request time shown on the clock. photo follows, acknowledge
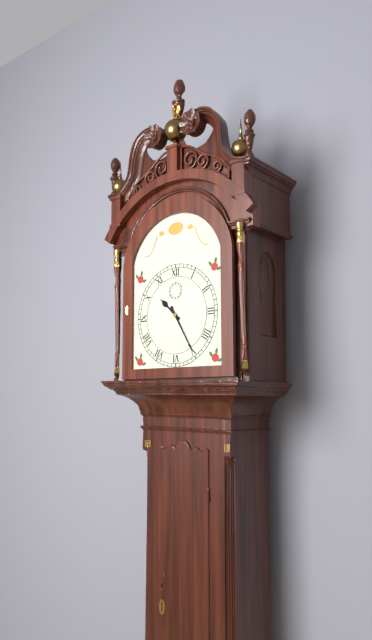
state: 10:25
